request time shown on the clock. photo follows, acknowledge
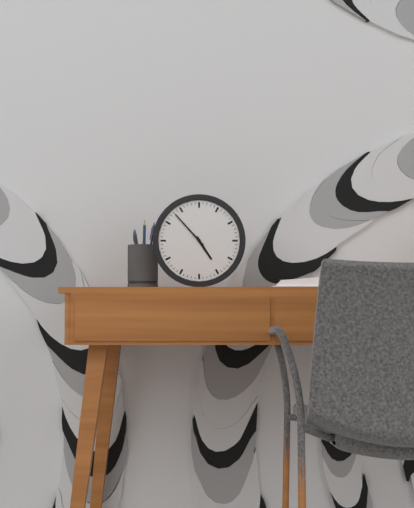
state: 4:53
